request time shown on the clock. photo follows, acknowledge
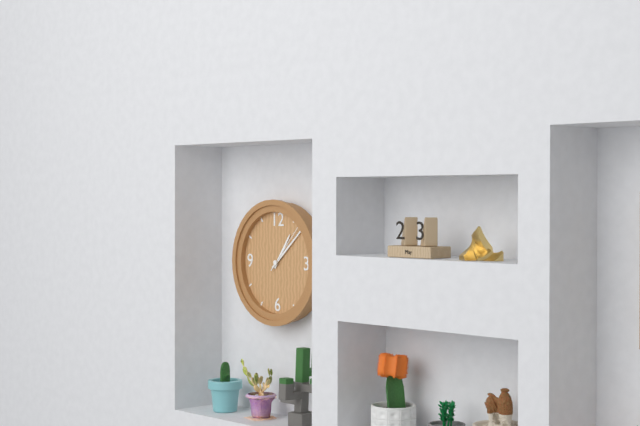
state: 1:08:07
